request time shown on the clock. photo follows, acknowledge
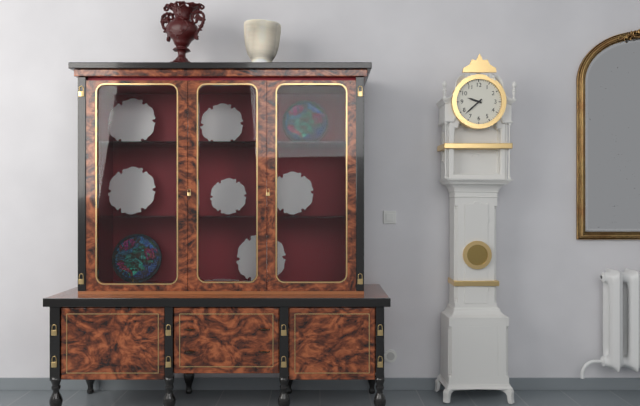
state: 9:38
